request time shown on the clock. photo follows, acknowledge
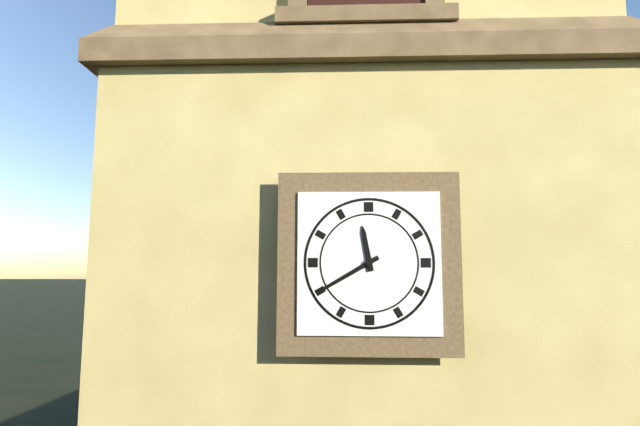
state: 11:40
